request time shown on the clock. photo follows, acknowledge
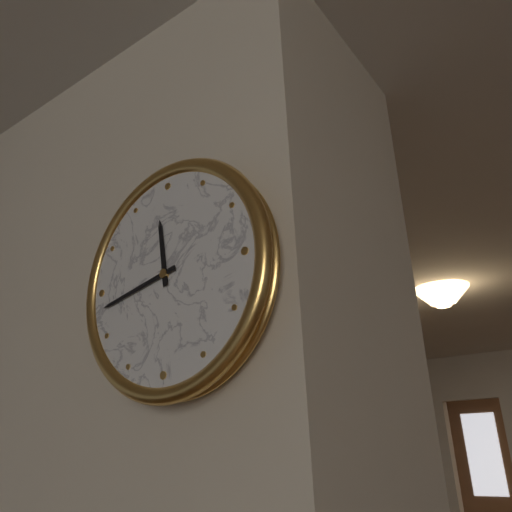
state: 11:43
